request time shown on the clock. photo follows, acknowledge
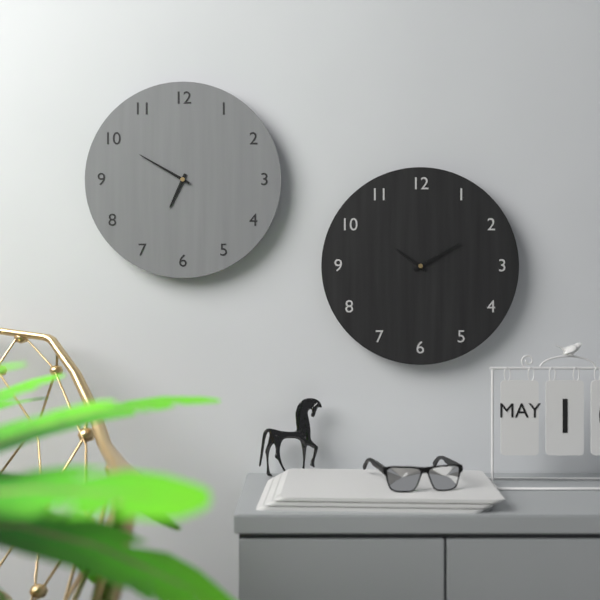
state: 6:50
